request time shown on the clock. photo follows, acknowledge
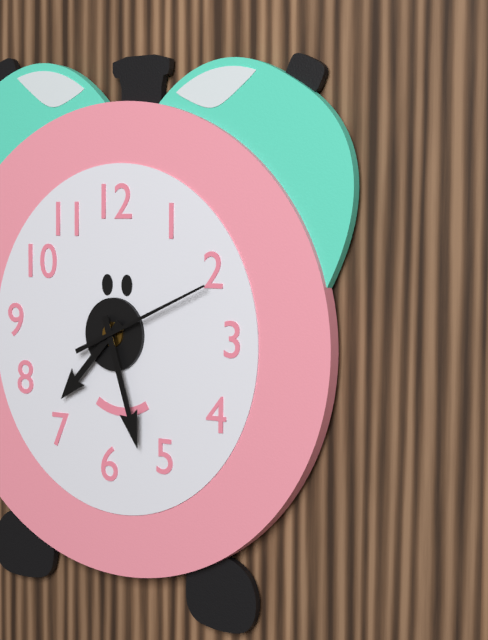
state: 7:27:11
